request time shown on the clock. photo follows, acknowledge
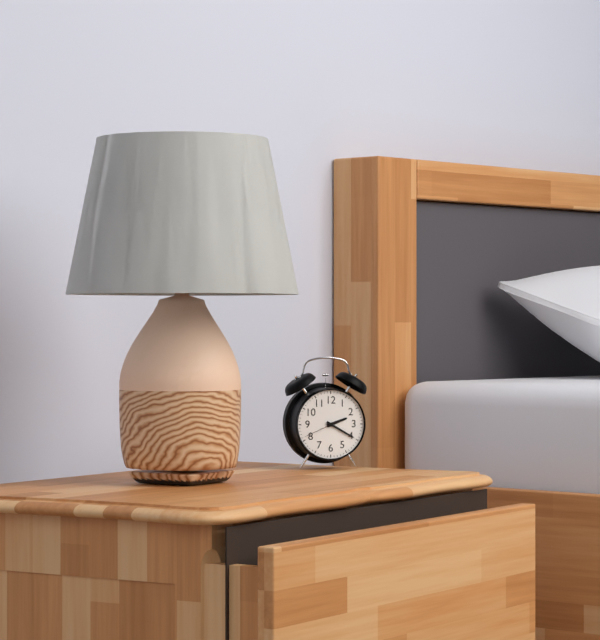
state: 2:20
